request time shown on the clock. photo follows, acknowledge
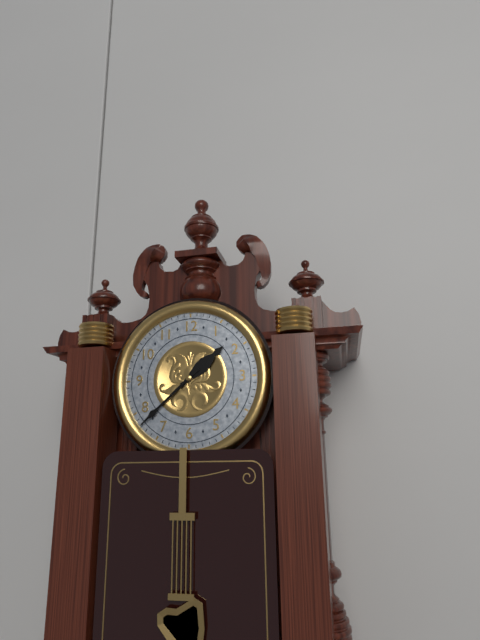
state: 1:38
